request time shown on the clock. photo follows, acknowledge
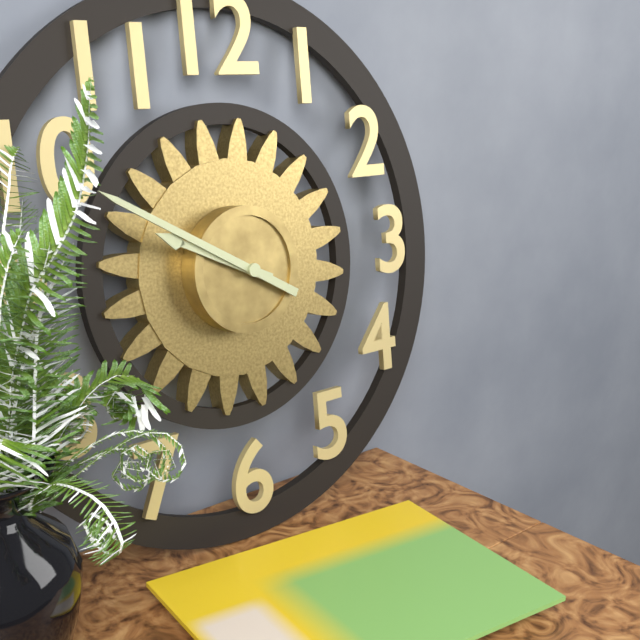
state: 9:50
